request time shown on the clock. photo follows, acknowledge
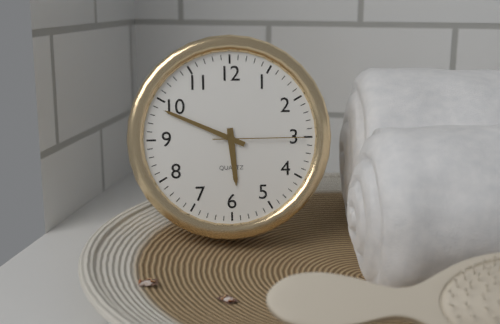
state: 5:49:15
